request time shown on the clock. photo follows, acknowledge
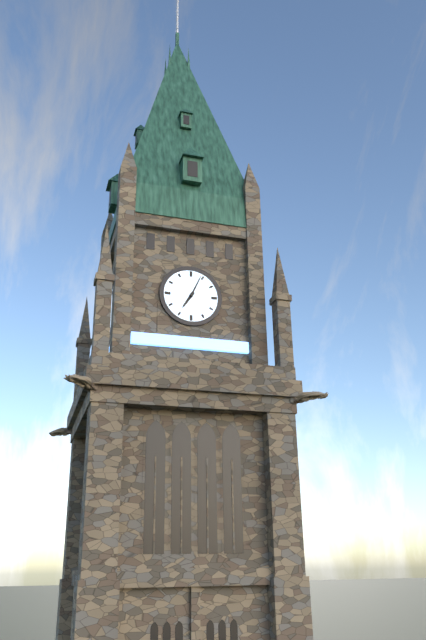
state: 7:04
